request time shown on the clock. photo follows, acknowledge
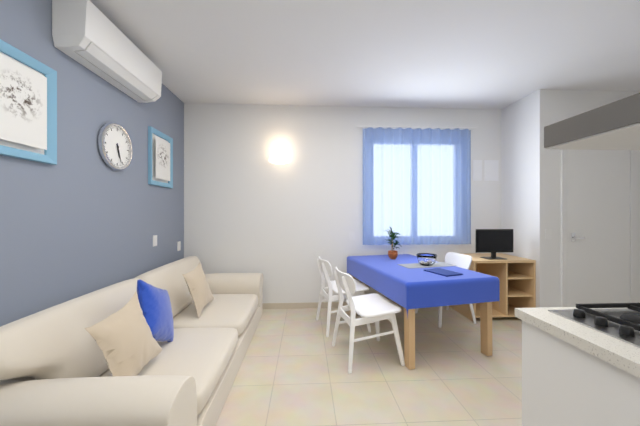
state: 5:27
